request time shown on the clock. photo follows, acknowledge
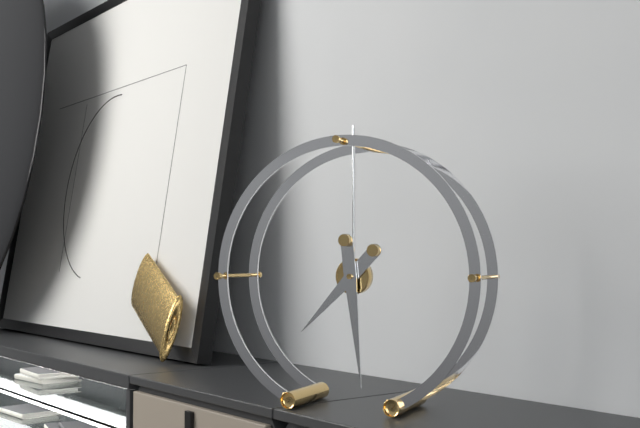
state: 7:29
